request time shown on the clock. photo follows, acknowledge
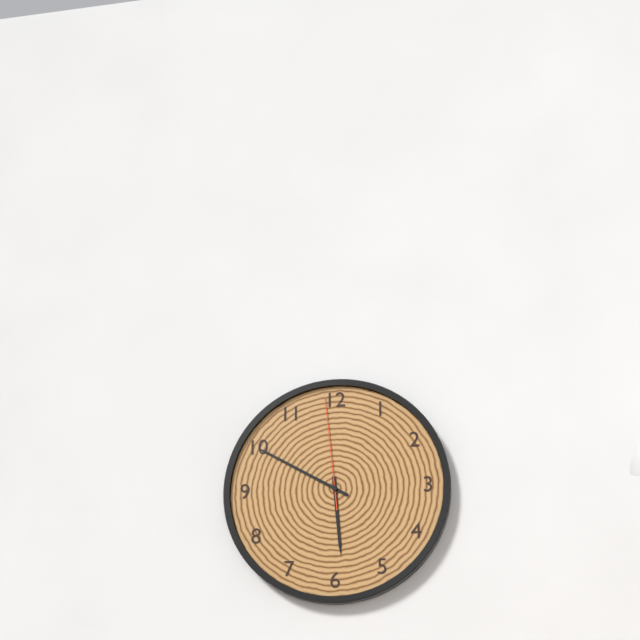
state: 5:50:59
